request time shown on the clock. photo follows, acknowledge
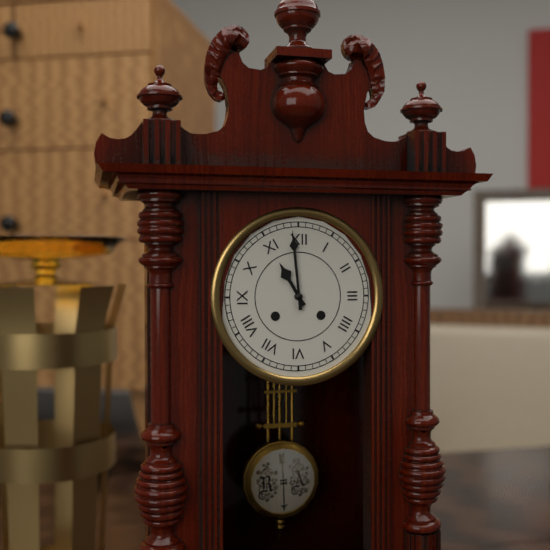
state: 10:59
